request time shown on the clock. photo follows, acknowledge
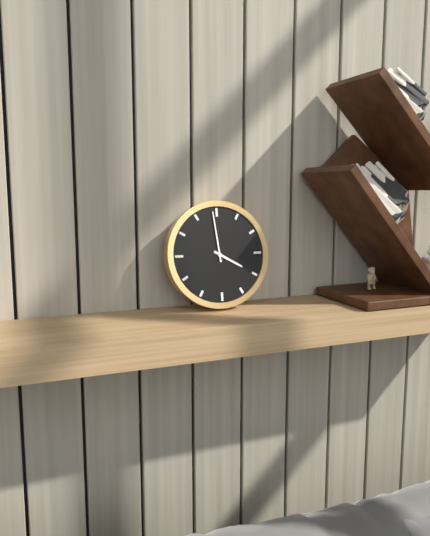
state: 3:59
